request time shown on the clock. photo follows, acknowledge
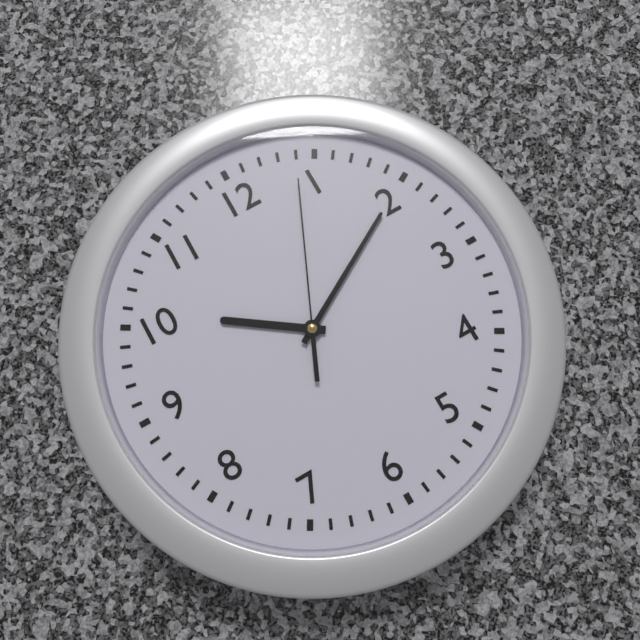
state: 10:10:04
